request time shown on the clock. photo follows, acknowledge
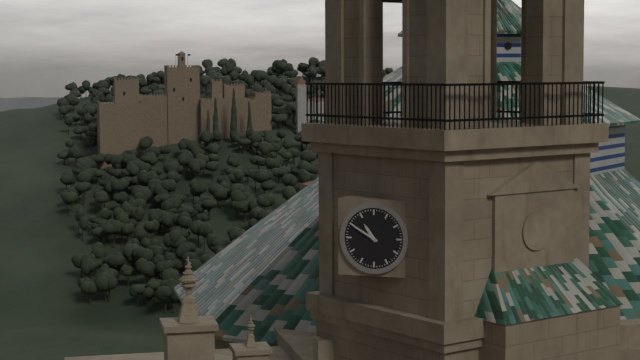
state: 10:50
